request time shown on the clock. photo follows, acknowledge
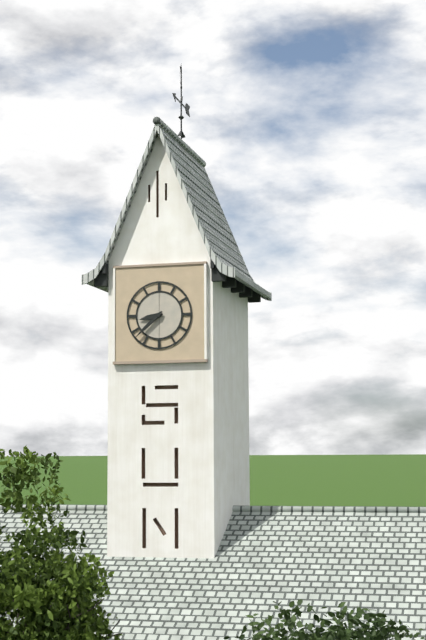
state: 8:38
